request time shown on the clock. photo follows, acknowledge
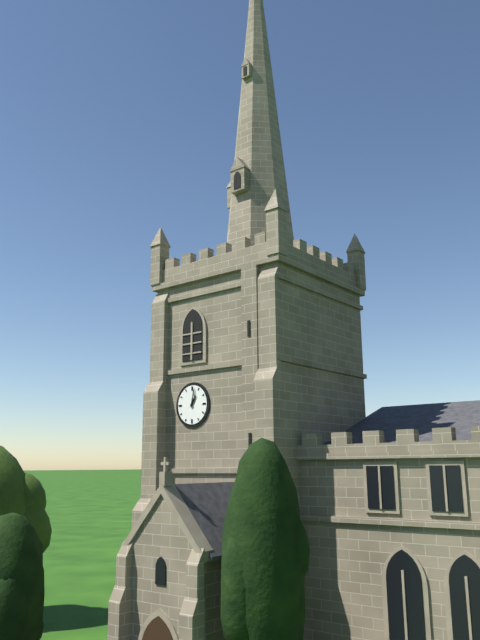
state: 1:02
